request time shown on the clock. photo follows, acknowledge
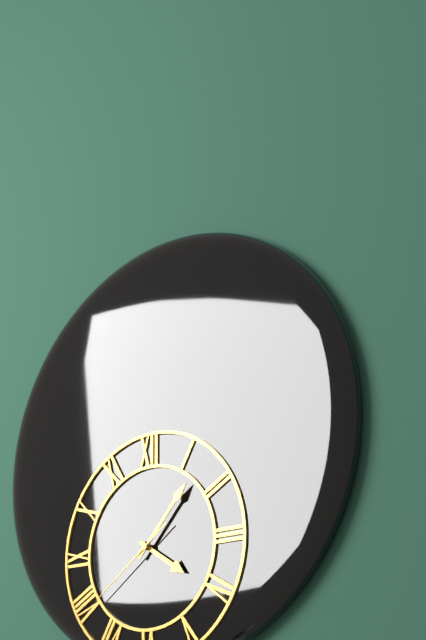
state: 4:07:39
